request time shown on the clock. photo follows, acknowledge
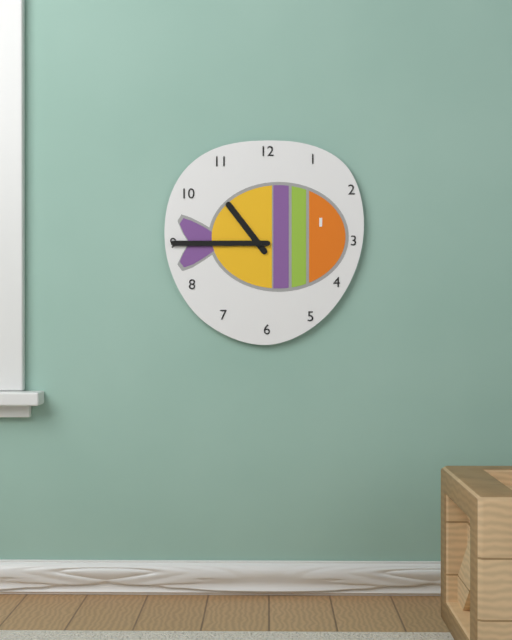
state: 10:45
